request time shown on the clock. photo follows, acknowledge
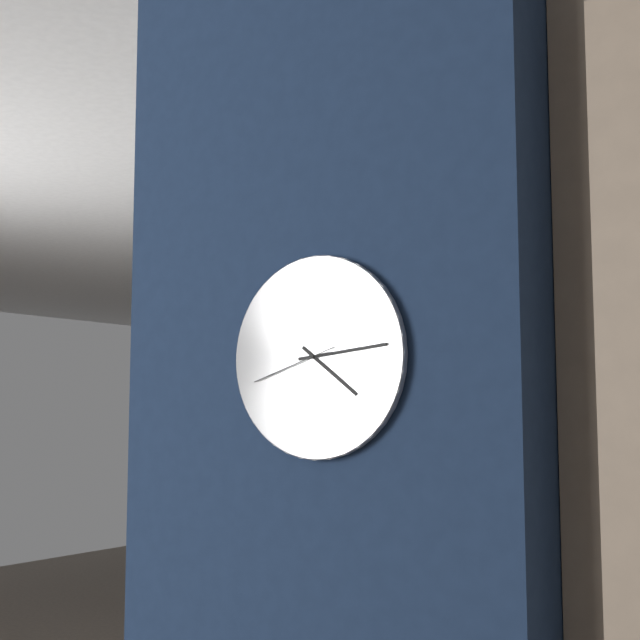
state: 4:14:42
